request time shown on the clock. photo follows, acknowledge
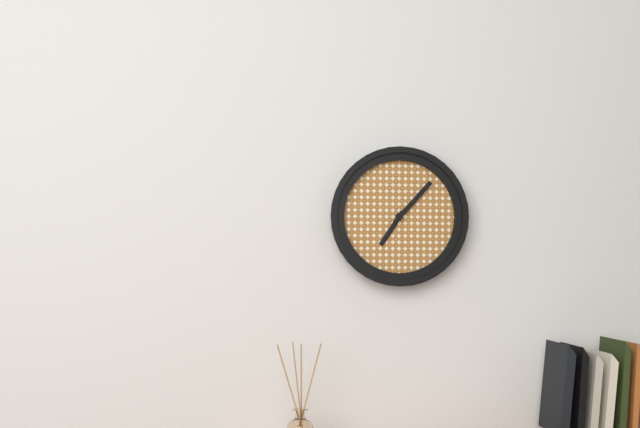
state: 7:07
